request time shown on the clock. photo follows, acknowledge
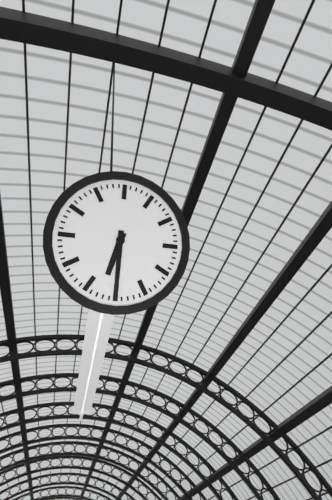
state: 6:30
